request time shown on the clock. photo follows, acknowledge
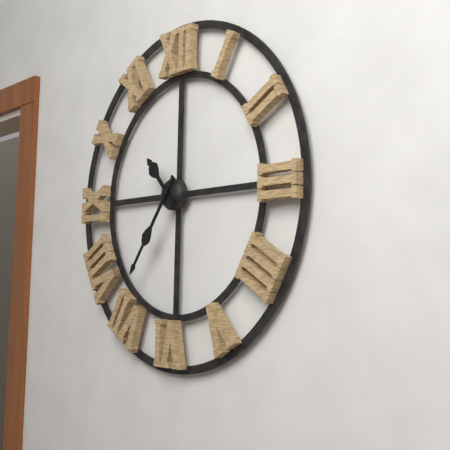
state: 10:36
